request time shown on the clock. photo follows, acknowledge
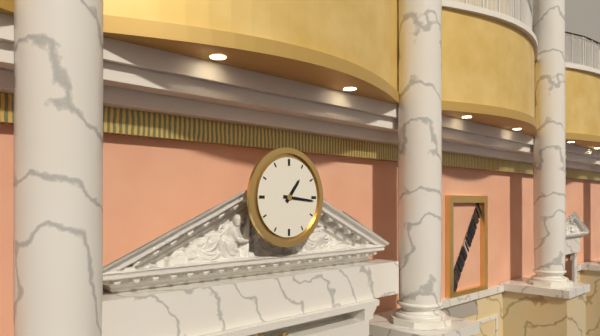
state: 1:16
